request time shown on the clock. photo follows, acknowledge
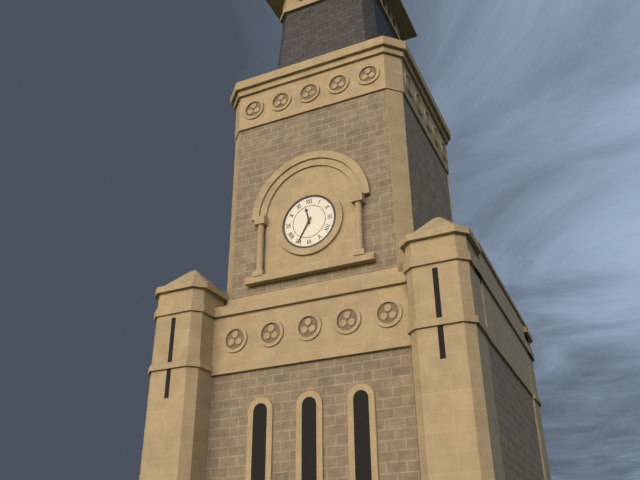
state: 11:35
